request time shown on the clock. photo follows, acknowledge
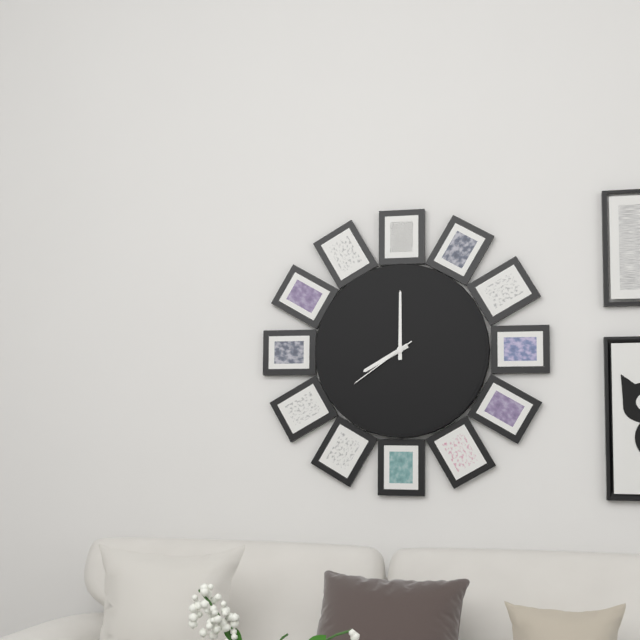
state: 8:00:39
